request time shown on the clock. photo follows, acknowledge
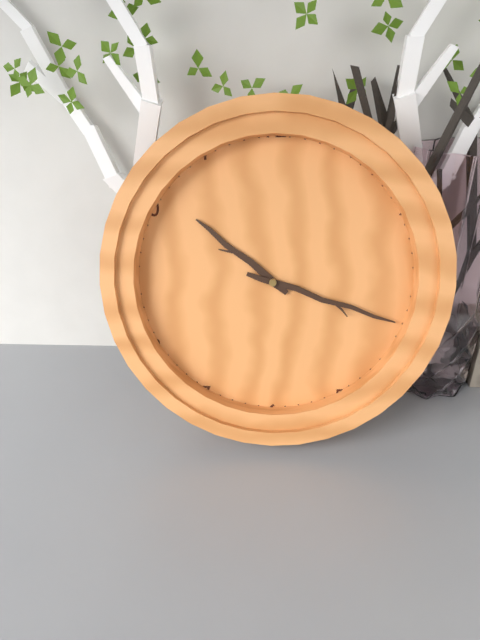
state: 10:18
